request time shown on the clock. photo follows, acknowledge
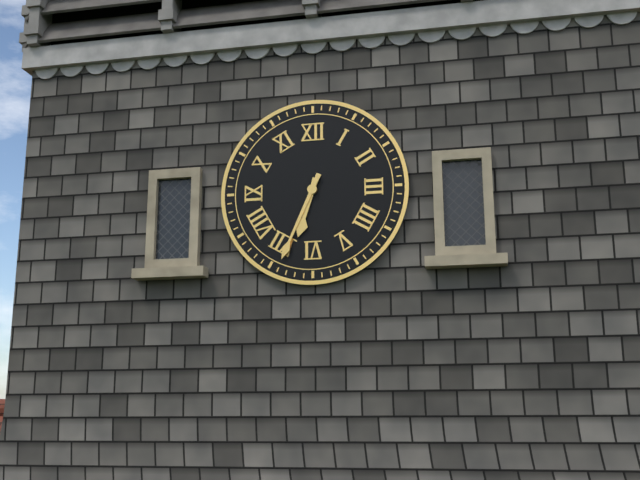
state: 6:34
